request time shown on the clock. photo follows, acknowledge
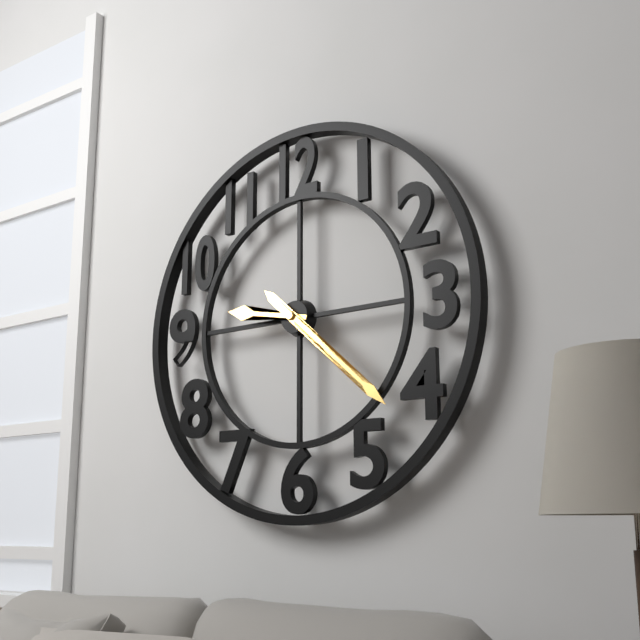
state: 9:22
